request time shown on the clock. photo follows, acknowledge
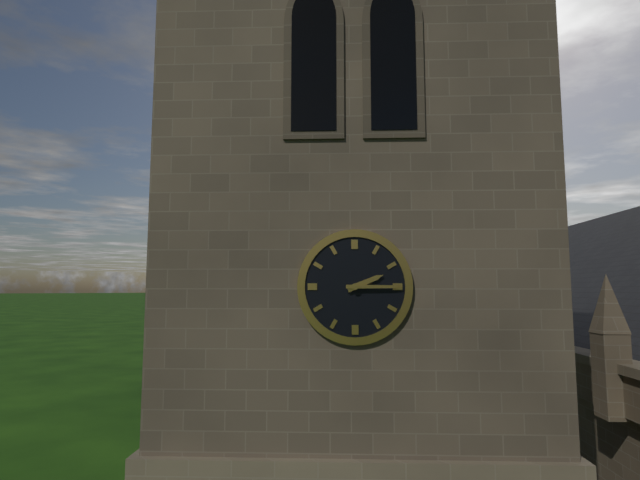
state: 2:15
